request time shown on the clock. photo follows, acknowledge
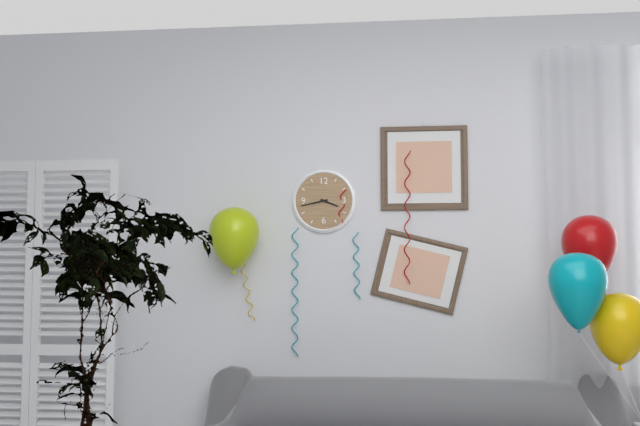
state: 3:43
